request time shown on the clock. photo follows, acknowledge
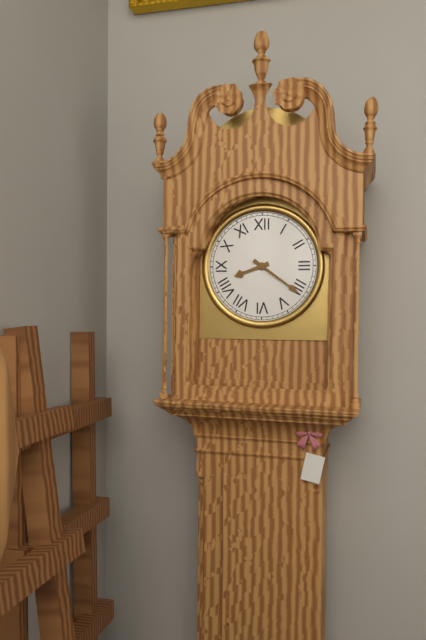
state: 8:21
